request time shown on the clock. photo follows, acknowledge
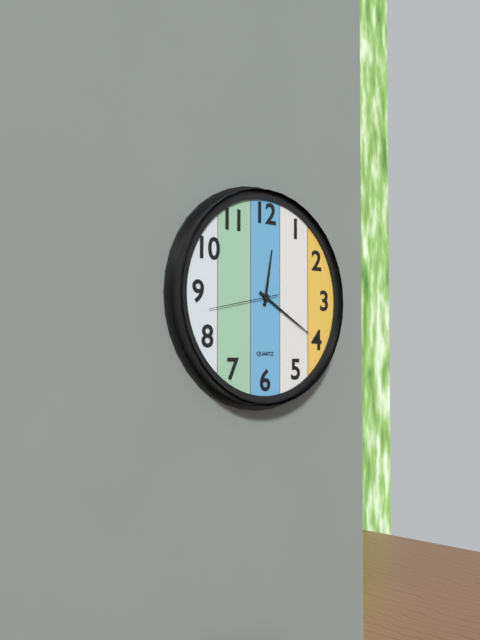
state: 12:20:43
